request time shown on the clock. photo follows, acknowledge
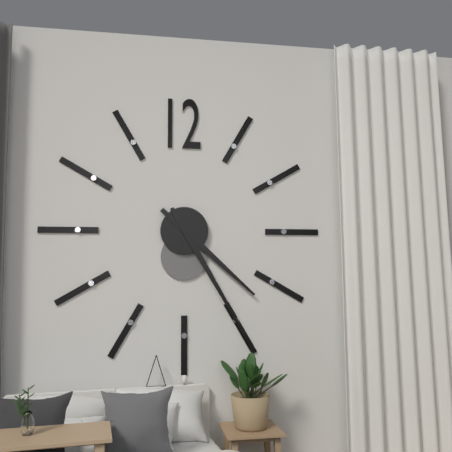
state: 4:25
